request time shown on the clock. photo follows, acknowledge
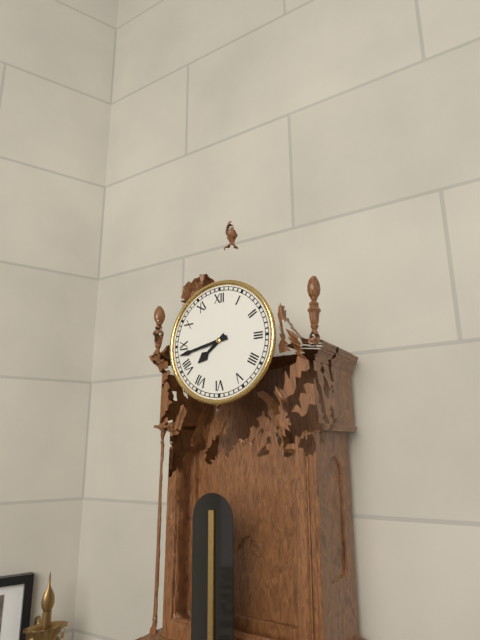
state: 7:43
